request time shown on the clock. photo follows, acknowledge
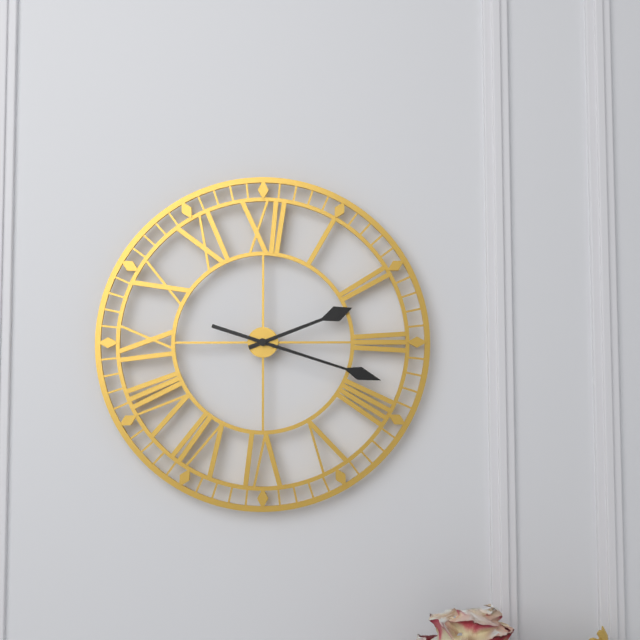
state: 2:18
